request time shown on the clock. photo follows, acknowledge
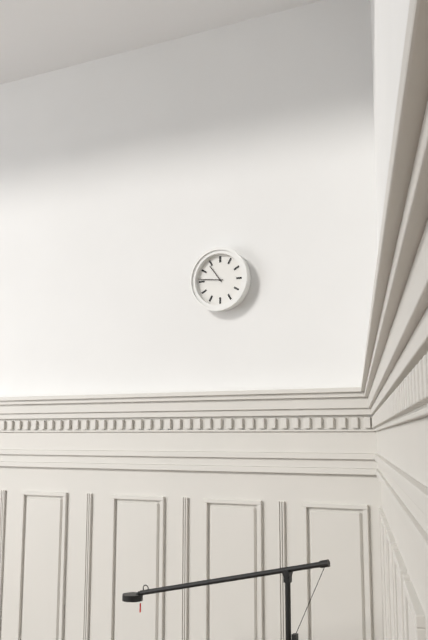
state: 10:46
